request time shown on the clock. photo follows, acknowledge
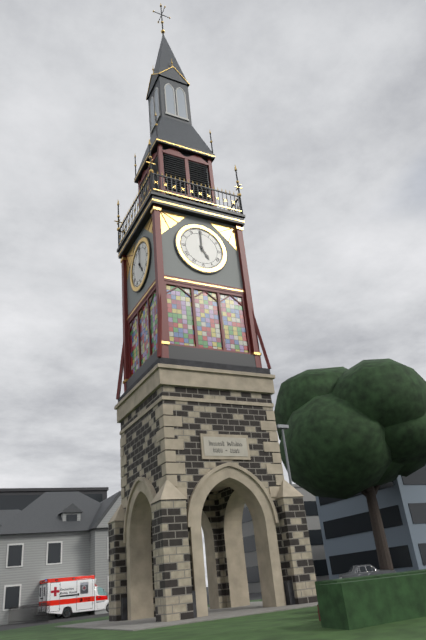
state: 5:00
